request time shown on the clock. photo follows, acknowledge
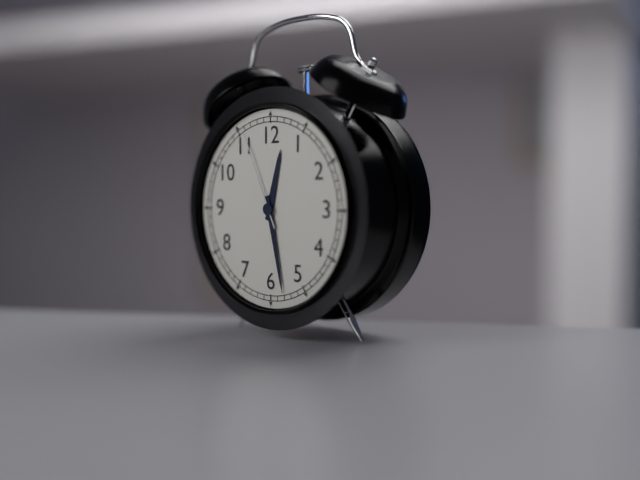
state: 12:28:56
